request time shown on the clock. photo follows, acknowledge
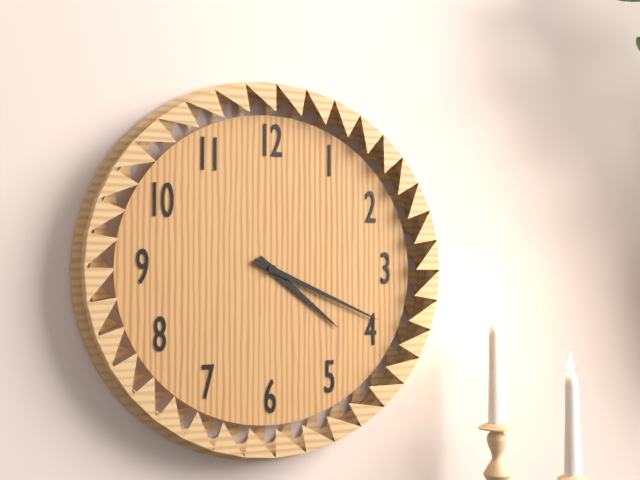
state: 4:19
